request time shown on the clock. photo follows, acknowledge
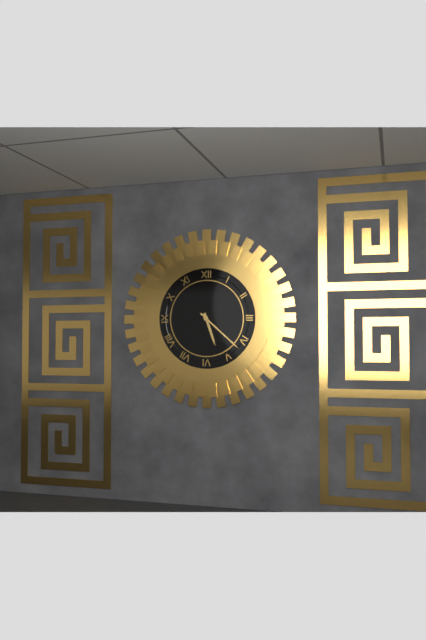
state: 5:22
